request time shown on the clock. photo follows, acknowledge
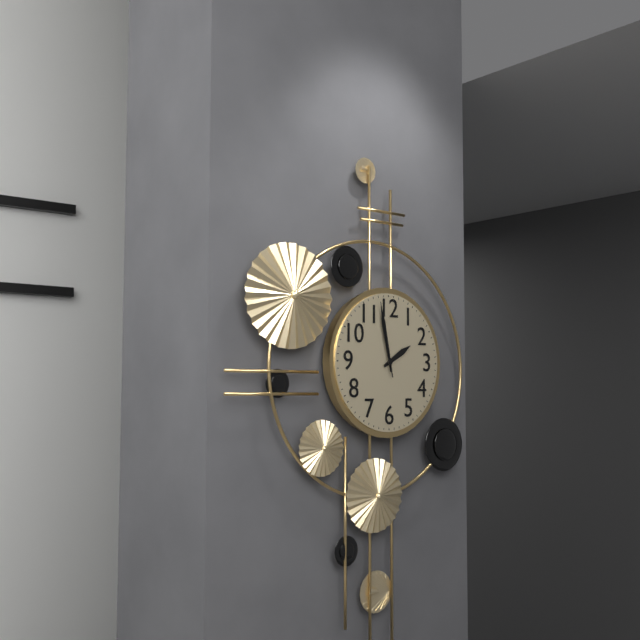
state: 1:58:58
